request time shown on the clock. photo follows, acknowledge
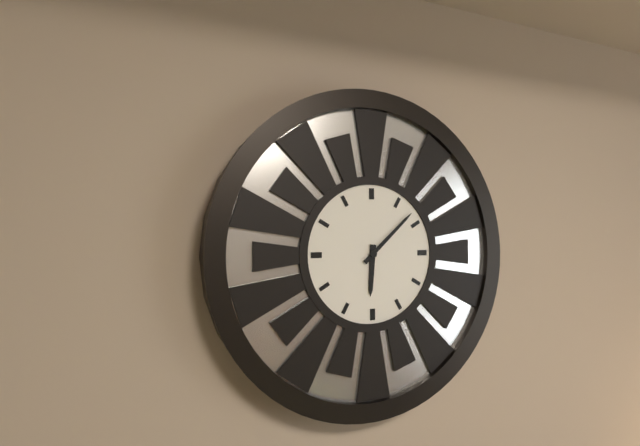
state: 6:08
